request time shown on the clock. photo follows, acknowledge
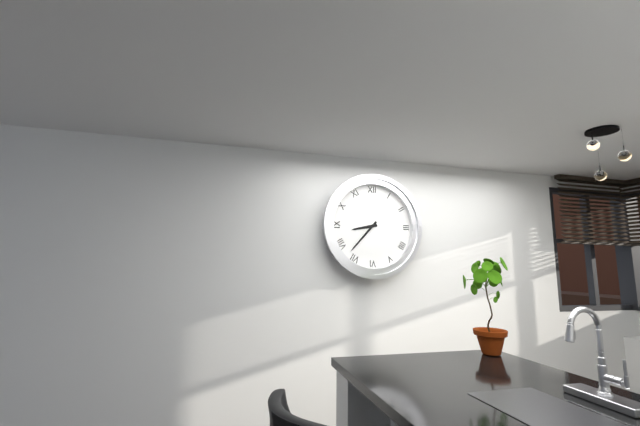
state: 8:37
